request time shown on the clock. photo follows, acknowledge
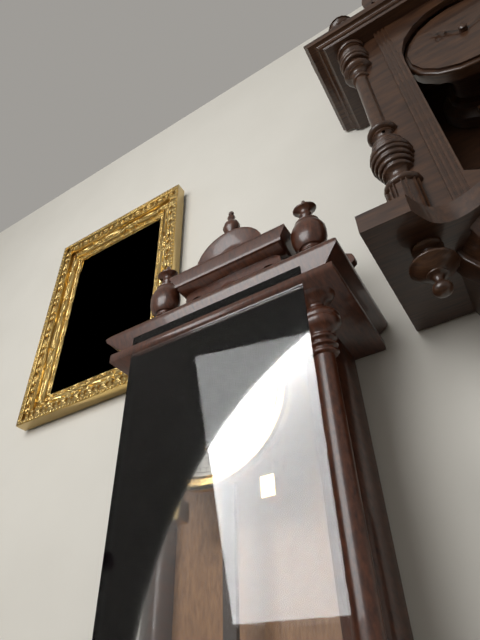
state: 8:12
